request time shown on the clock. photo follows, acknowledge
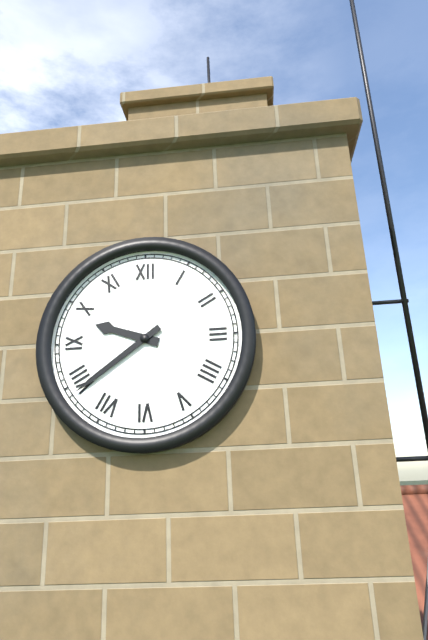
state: 9:39
